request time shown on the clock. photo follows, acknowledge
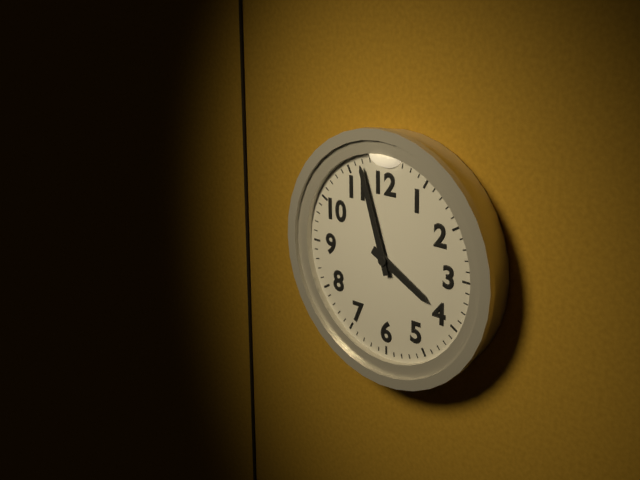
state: 3:57
